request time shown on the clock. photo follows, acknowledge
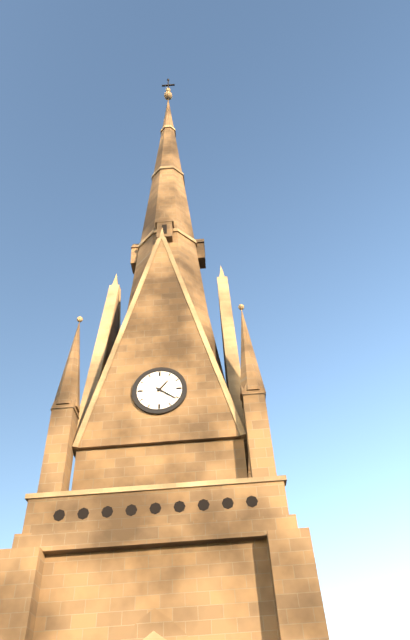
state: 1:21
